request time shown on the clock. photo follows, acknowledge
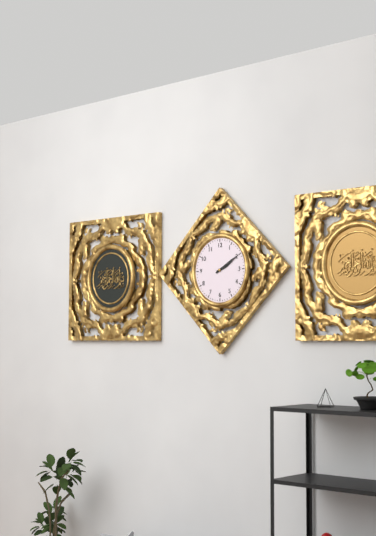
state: 2:10
